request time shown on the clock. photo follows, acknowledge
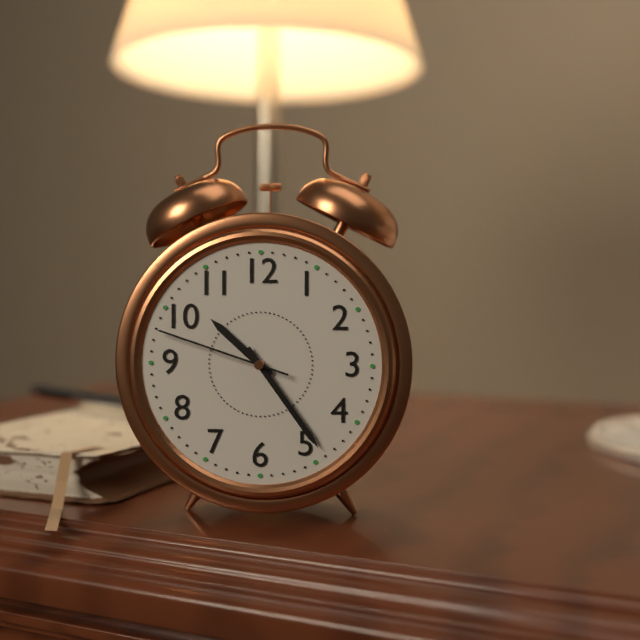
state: 10:24:48
